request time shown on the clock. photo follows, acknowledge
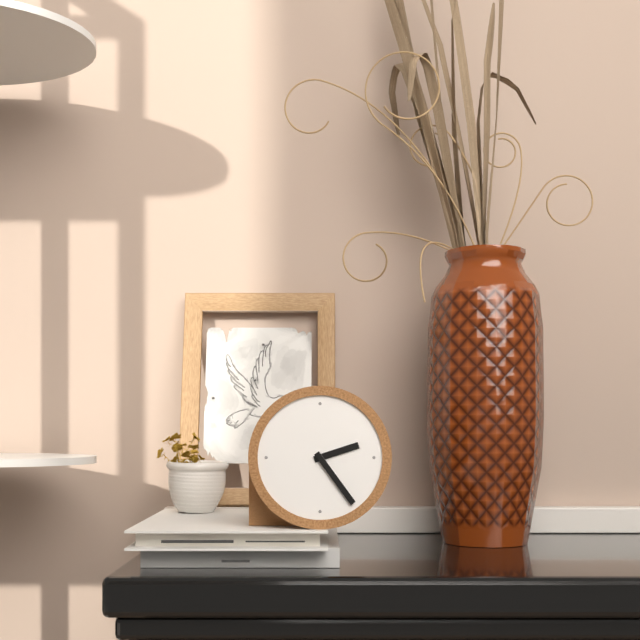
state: 2:24
